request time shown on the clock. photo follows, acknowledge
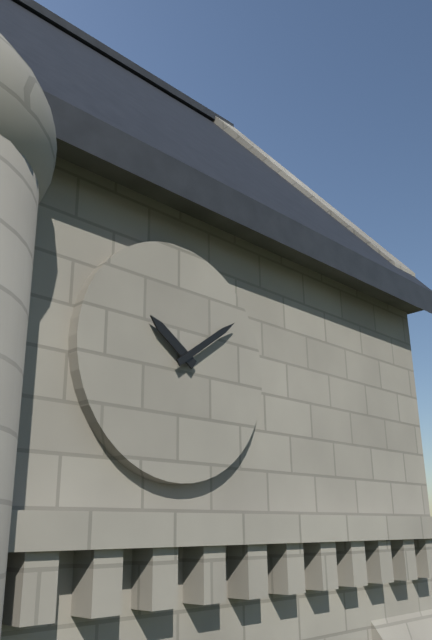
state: 10:09
